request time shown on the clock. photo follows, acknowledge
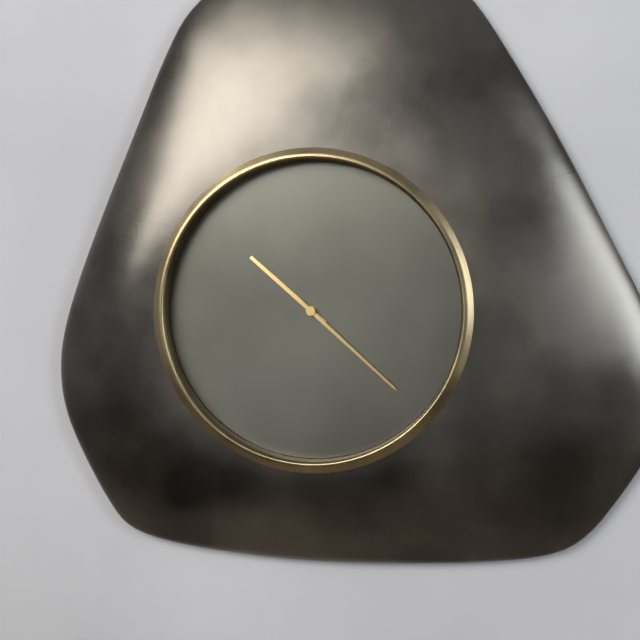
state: 10:22
